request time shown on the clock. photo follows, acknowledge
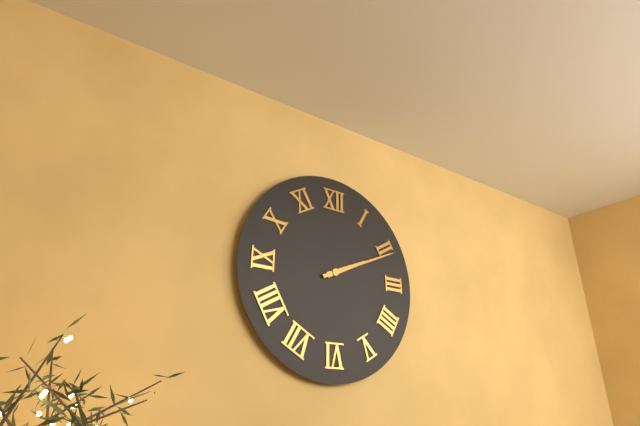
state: 2:11
